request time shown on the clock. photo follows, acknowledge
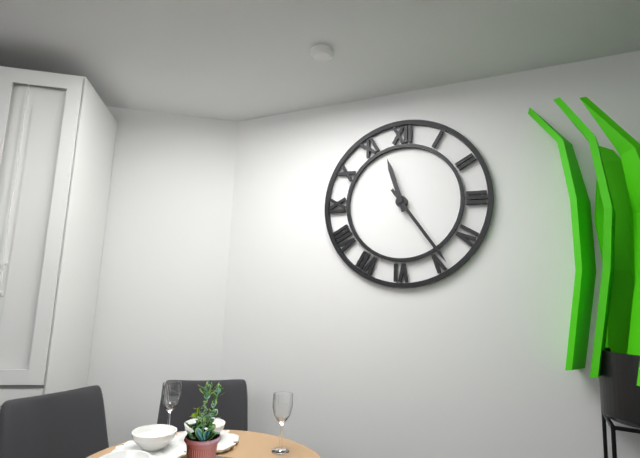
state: 11:24
